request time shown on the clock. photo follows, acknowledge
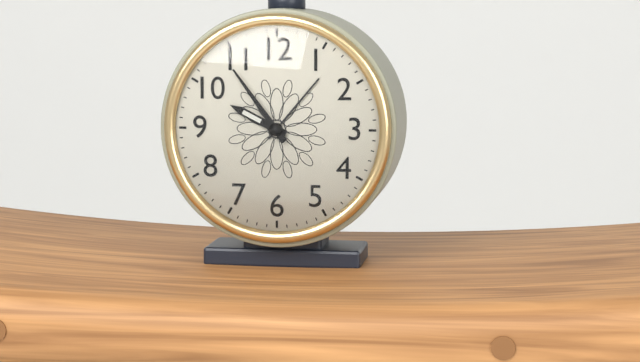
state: 9:54
